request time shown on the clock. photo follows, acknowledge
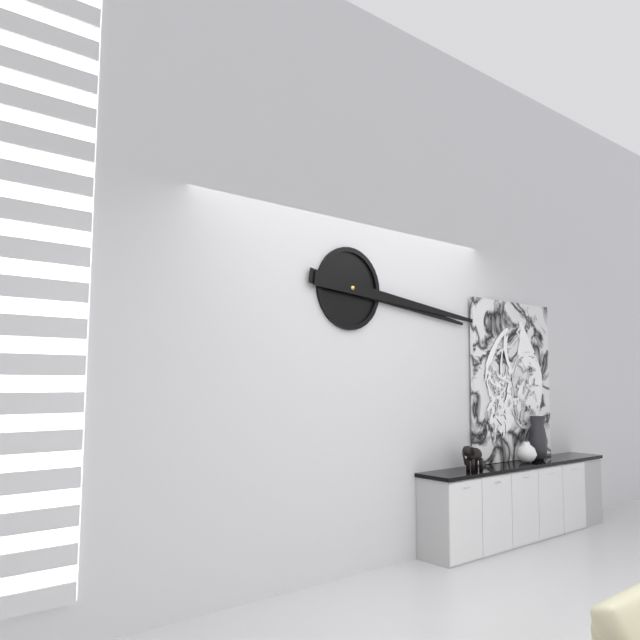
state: 3:16
